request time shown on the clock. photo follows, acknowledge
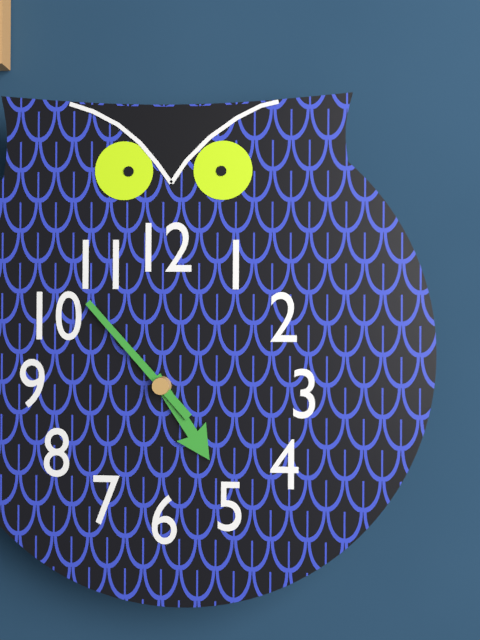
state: 4:53
